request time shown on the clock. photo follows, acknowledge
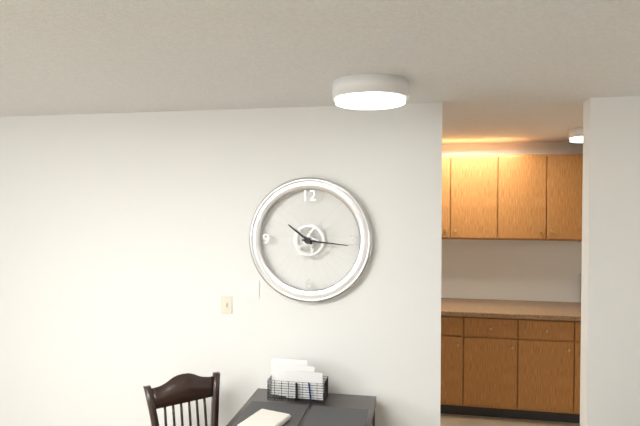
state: 10:16
